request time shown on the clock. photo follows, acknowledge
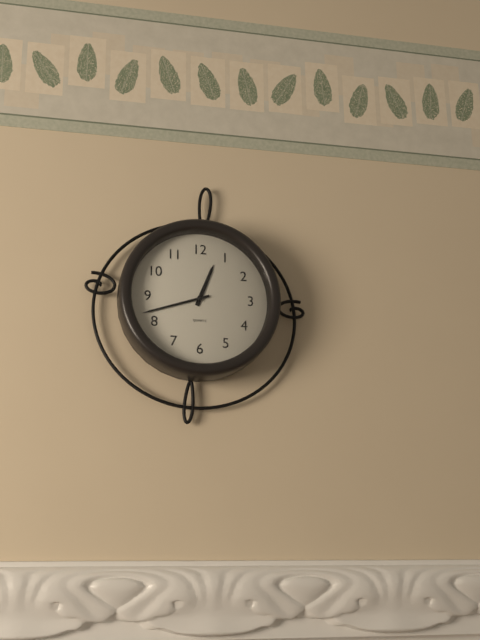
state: 12:42
